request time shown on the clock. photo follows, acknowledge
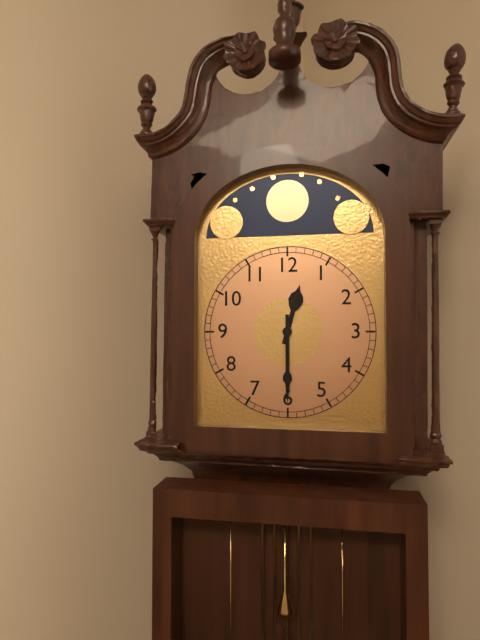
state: 12:30
